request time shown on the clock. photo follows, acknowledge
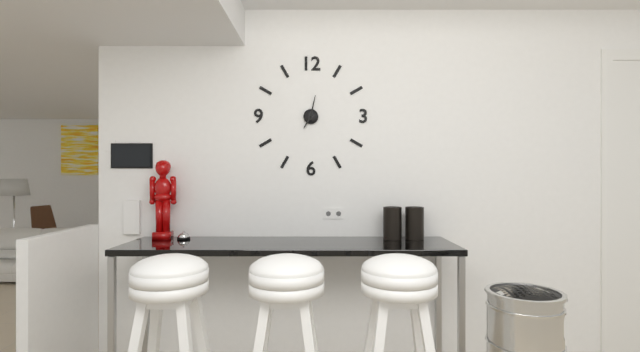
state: 7:02
